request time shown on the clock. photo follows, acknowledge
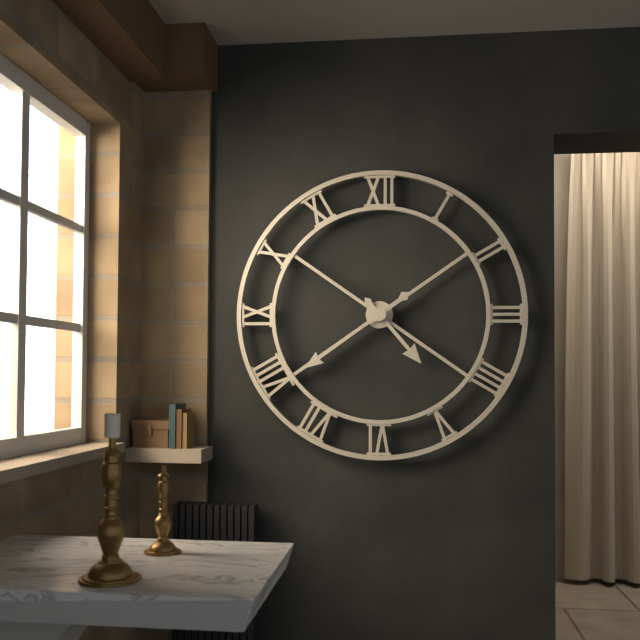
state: 4:39
